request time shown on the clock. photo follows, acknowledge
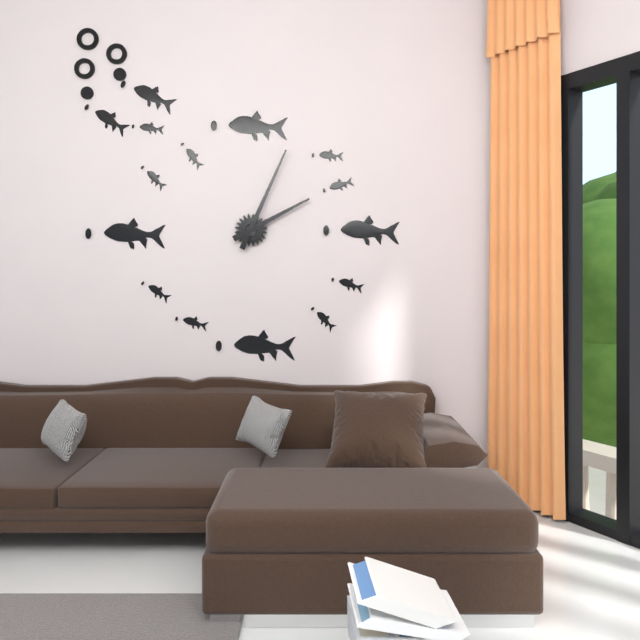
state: 2:04
